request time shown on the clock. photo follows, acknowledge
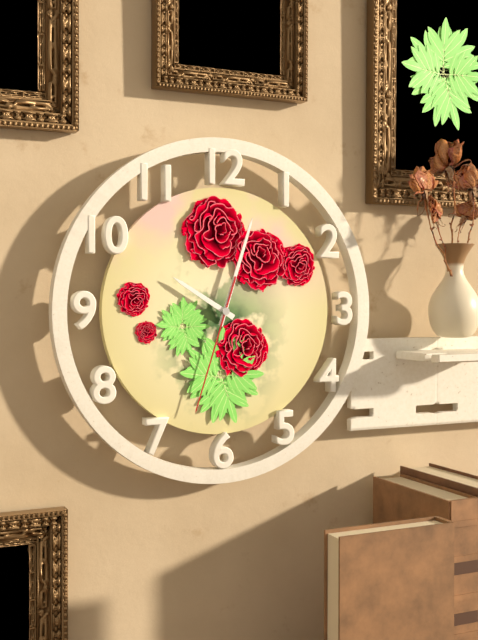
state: 10:03:33
